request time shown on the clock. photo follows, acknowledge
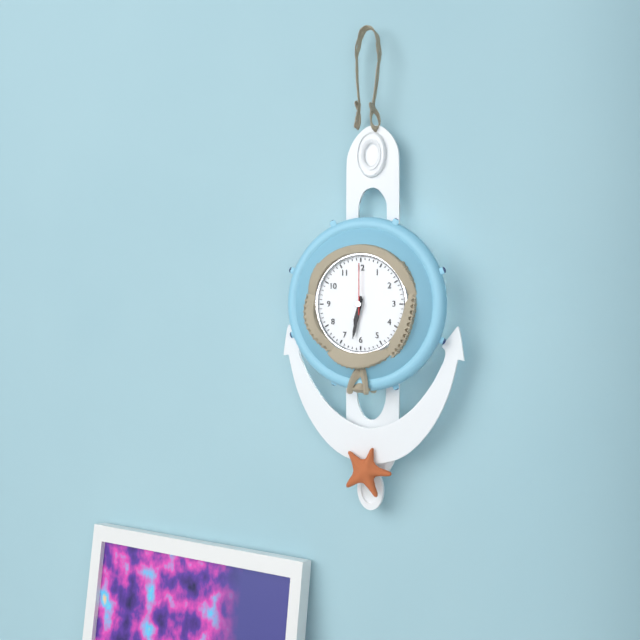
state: 6:32:00
